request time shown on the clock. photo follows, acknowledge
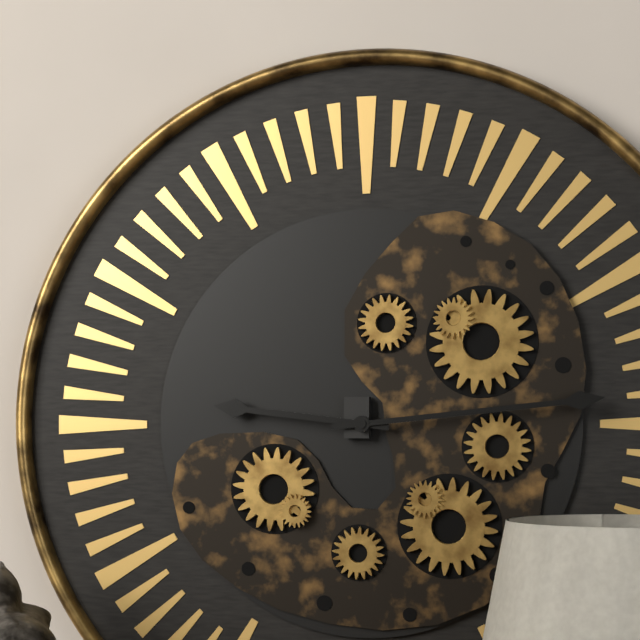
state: 9:14
